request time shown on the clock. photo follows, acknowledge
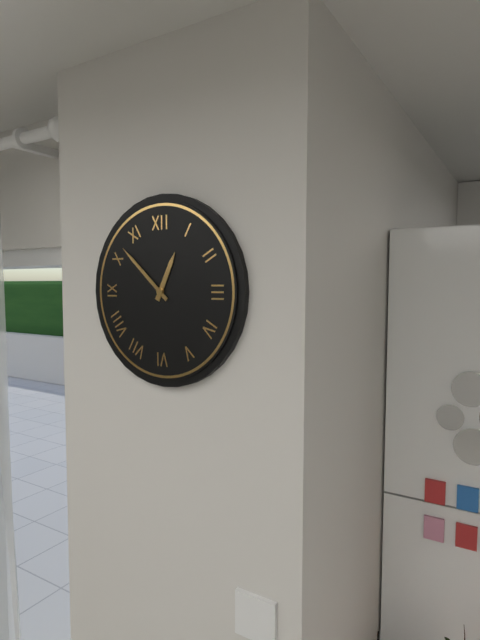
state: 12:52
